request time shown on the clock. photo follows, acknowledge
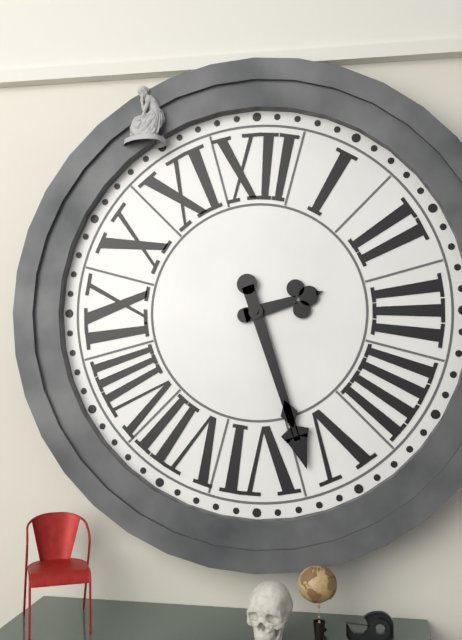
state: 2:27
